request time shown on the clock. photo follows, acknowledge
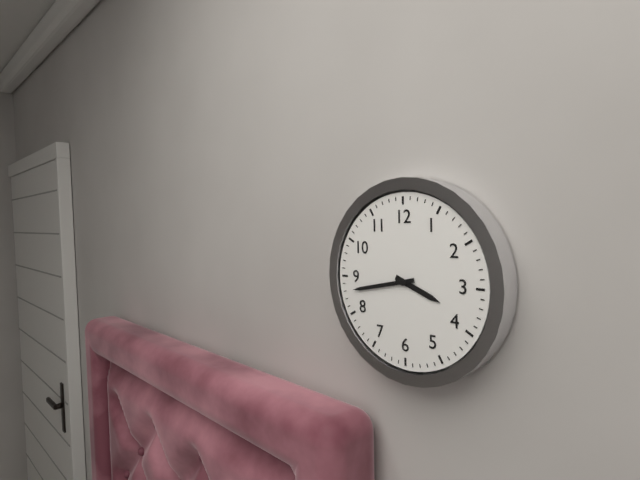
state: 3:43
